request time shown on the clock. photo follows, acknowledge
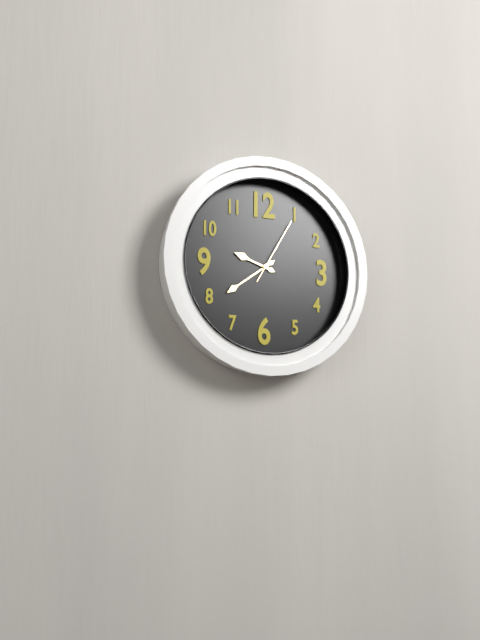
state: 9:39:05
